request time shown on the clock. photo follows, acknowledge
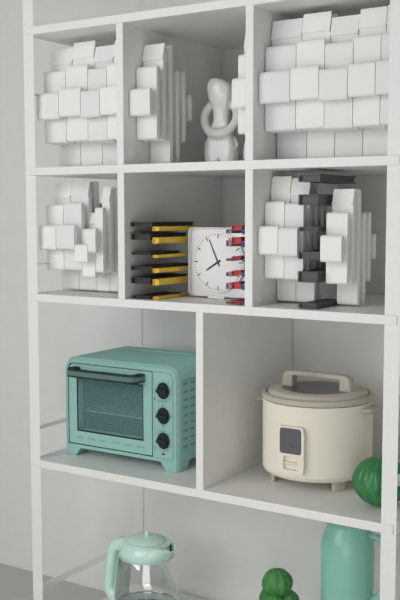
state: 7:56
